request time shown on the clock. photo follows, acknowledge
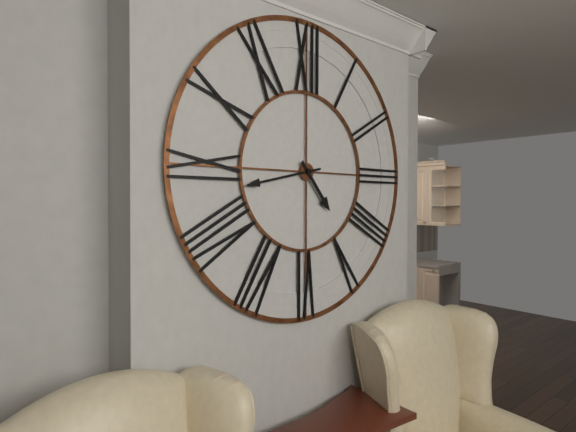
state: 4:43
